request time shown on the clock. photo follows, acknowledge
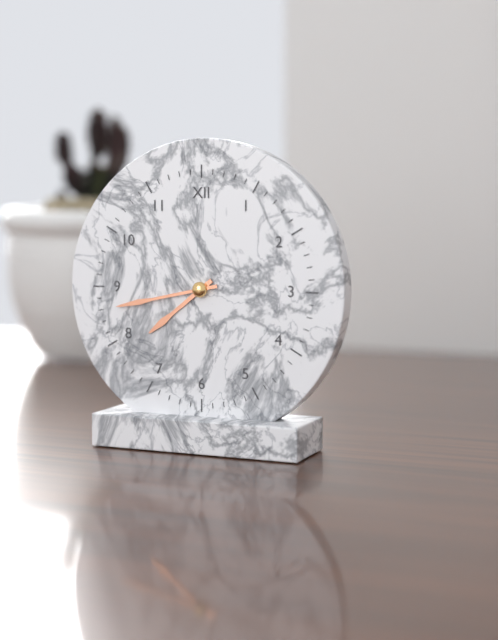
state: 7:43
